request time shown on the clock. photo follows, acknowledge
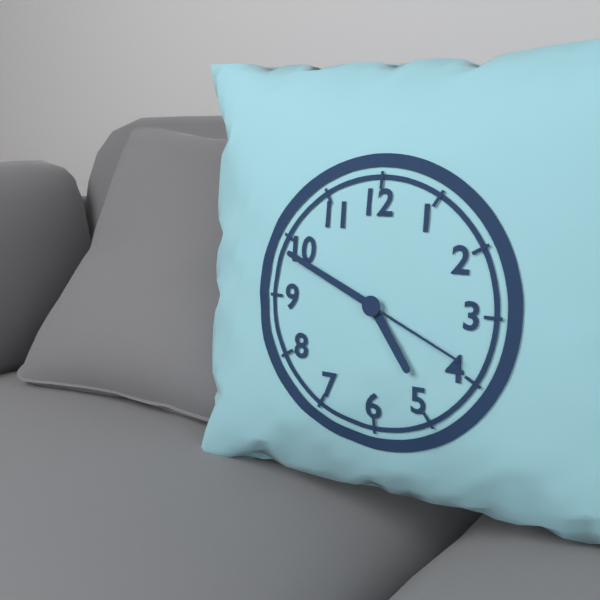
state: 4:49:19
